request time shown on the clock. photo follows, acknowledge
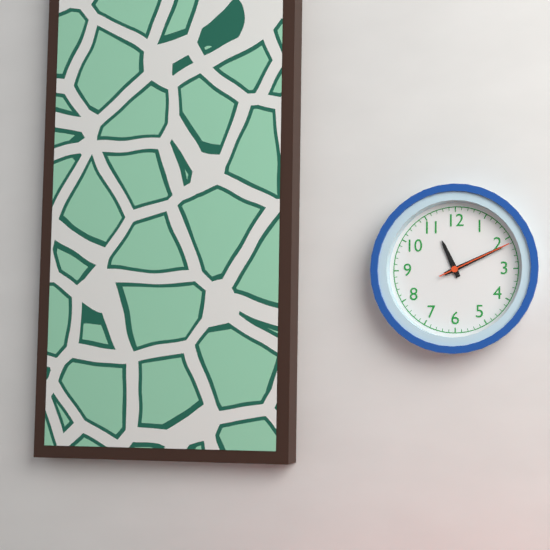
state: 11:11:11
